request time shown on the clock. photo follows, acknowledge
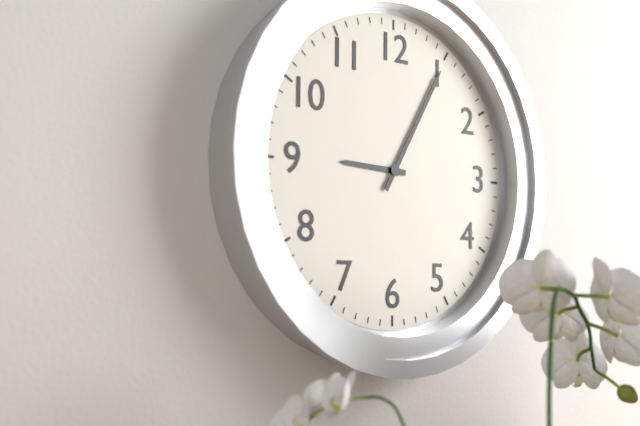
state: 9:05
